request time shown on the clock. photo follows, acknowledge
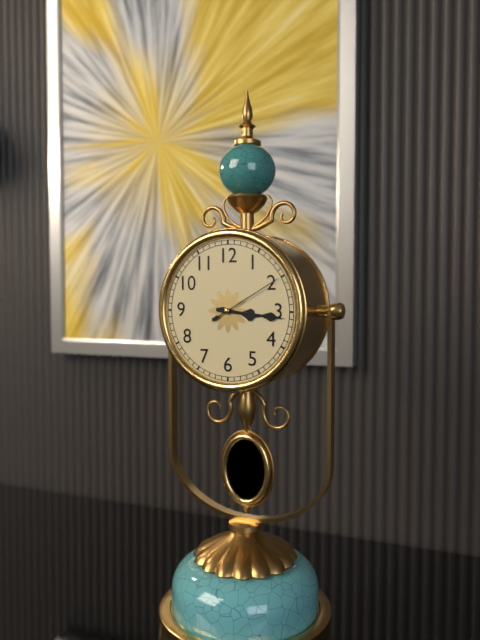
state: 3:16:10
